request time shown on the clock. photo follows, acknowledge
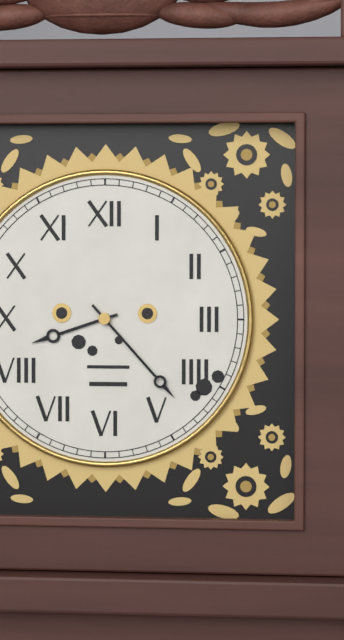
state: 8:23
